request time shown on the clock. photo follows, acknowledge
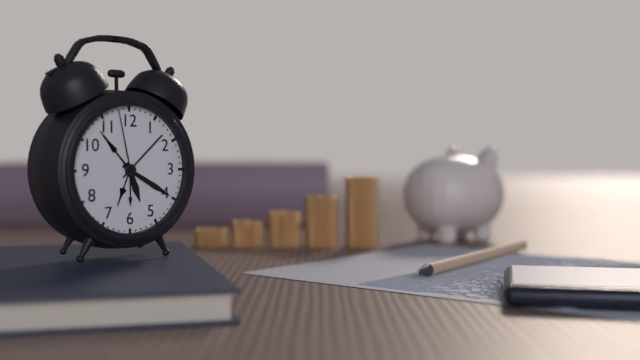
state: 5:20:58
